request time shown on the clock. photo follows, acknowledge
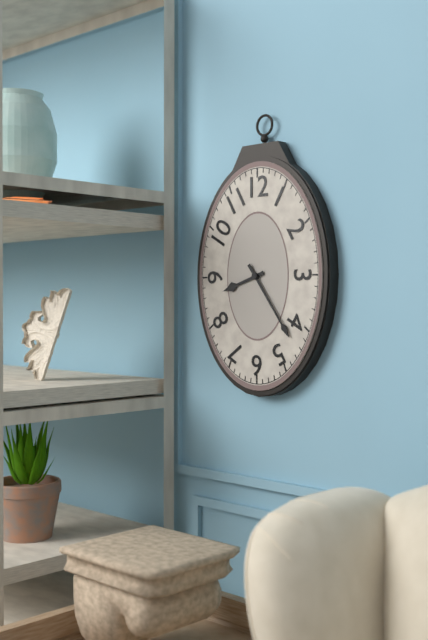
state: 8:24
